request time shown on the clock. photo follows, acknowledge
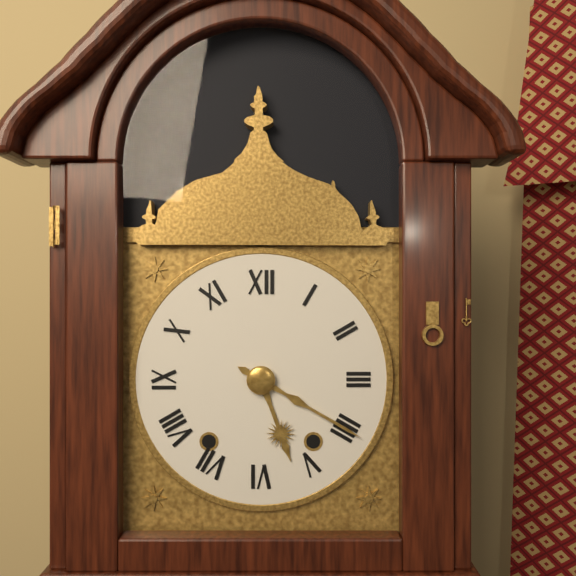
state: 5:20
